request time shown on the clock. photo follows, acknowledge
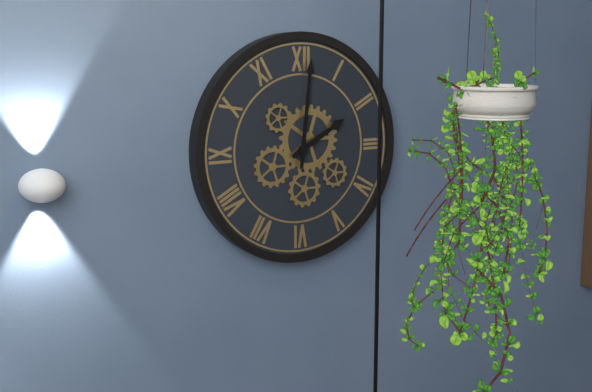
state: 2:01
